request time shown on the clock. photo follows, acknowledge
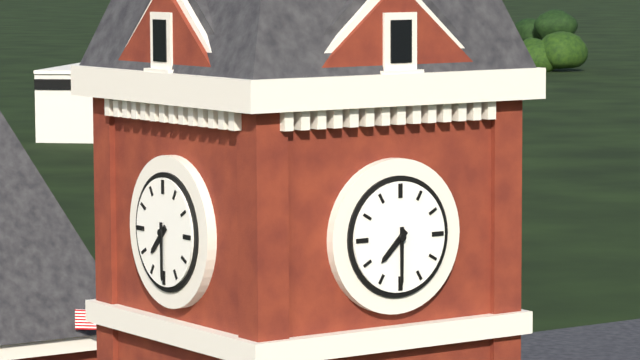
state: 7:30
